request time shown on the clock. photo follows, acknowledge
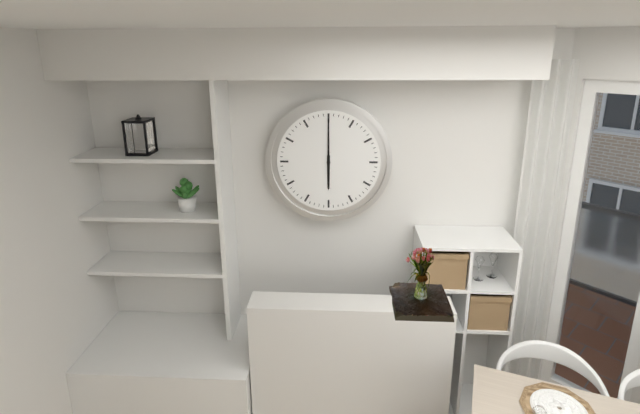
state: 6:00
